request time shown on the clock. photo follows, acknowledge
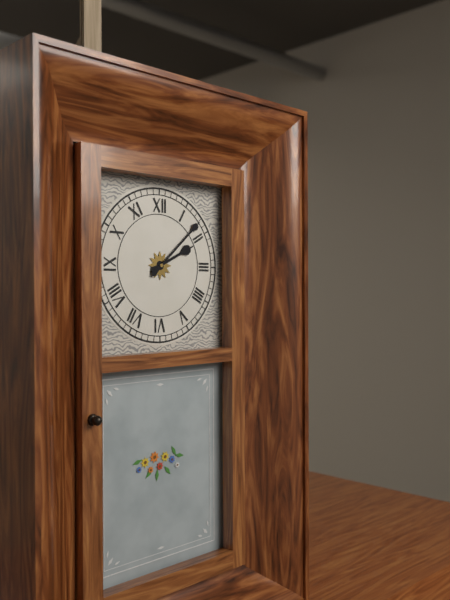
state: 2:08
